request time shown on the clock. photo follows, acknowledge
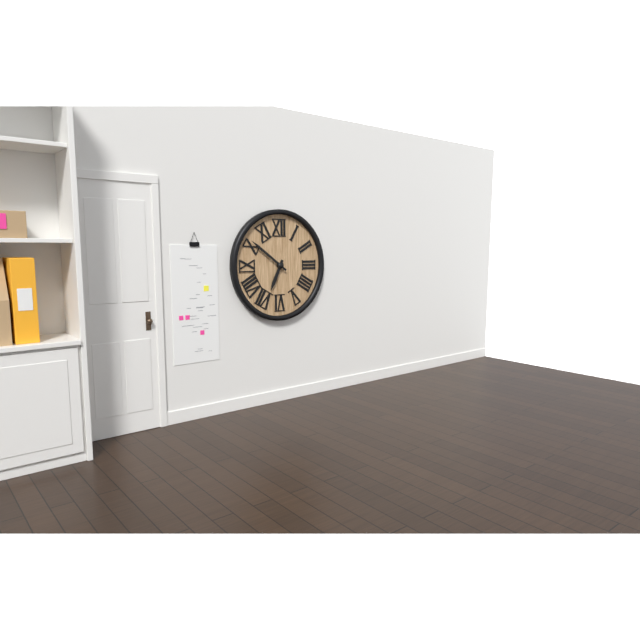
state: 6:51
